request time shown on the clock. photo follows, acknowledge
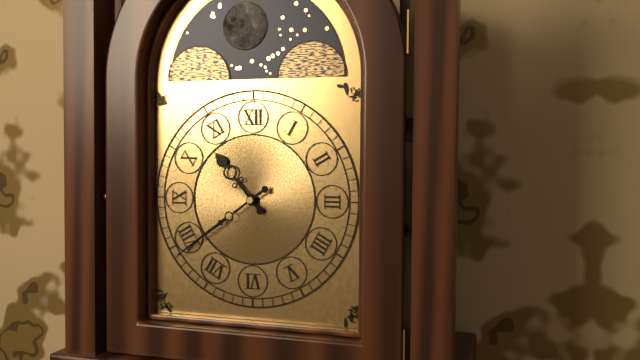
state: 10:39
